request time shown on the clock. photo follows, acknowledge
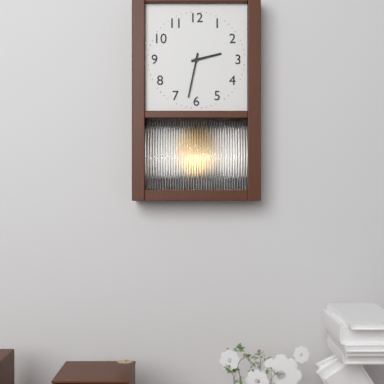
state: 2:32
